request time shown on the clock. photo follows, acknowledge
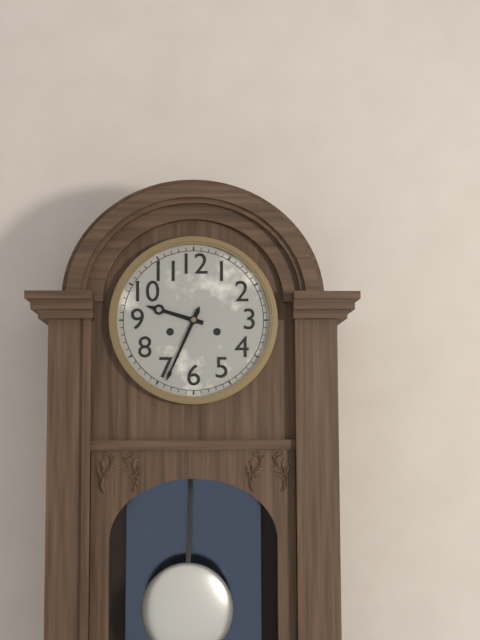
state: 9:34
